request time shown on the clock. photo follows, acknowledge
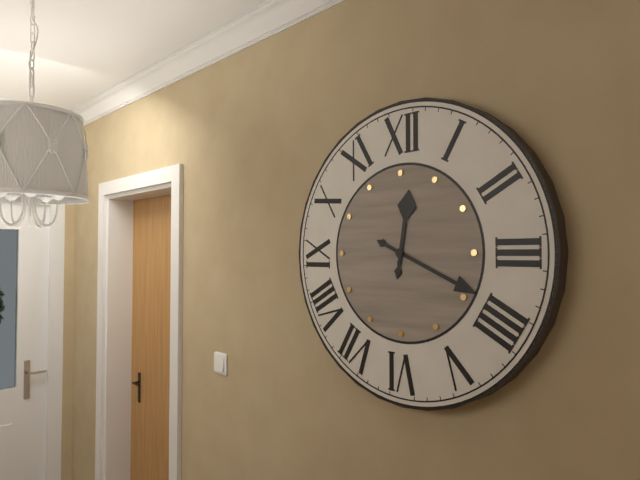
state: 12:19
